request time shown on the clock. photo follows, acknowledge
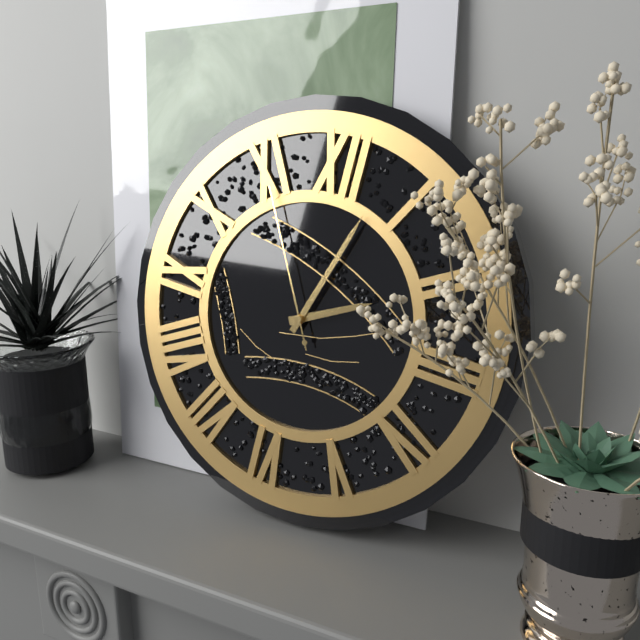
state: 2:03:55
